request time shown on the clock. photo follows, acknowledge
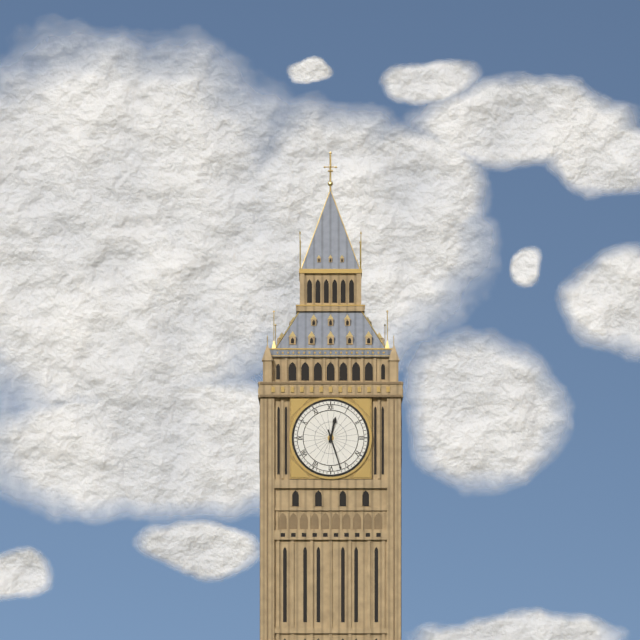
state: 12:27
